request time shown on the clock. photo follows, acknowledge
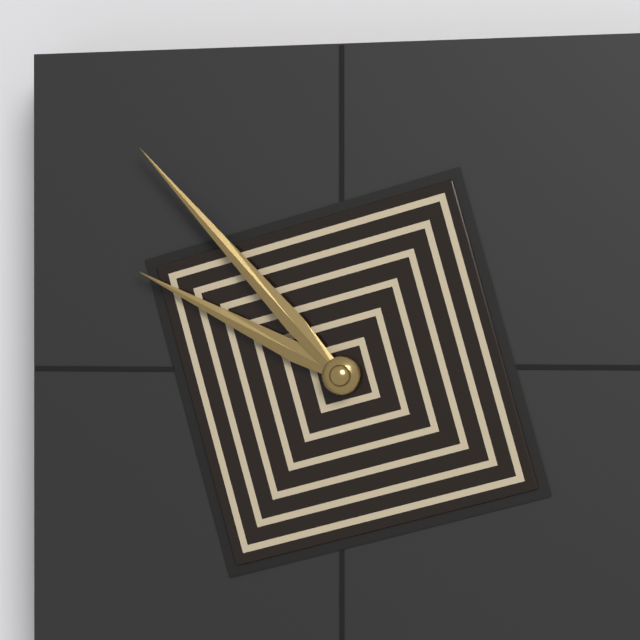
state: 9:53
